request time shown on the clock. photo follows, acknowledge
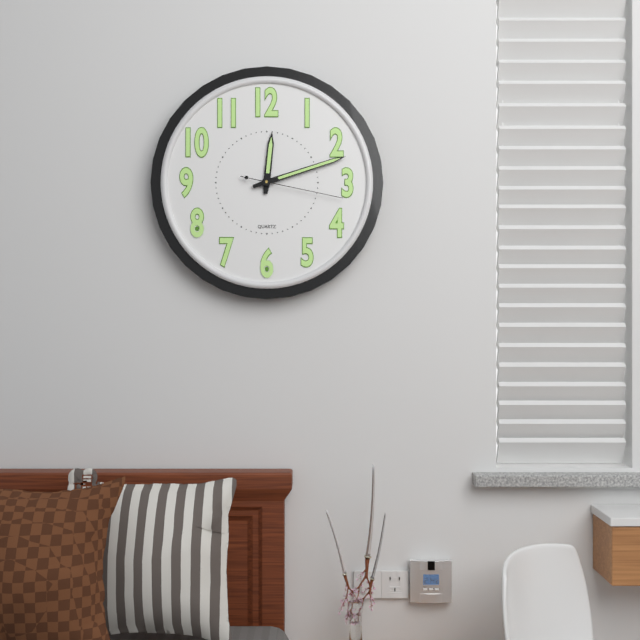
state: 12:12:17
